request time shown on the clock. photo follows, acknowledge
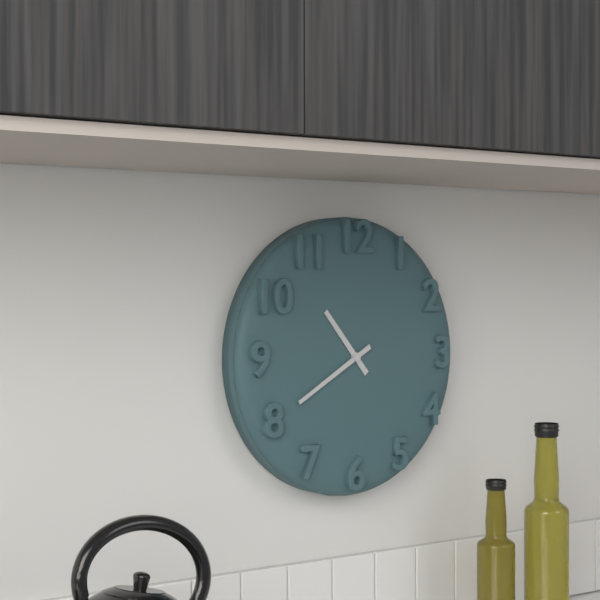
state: 10:40
